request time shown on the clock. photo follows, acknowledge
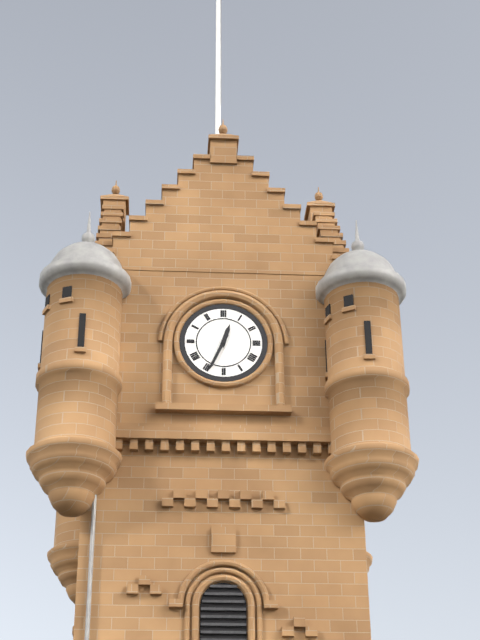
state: 12:34
